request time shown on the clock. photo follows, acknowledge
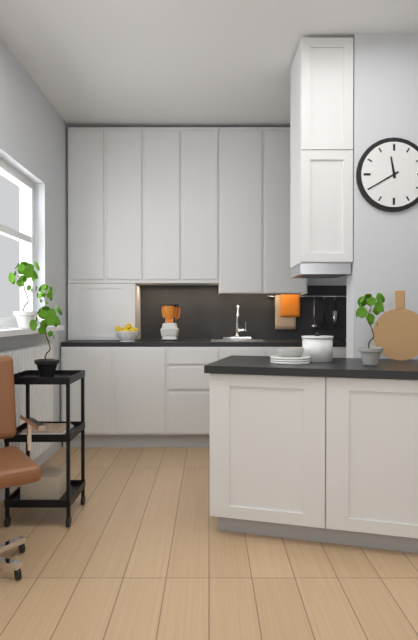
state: 11:40
